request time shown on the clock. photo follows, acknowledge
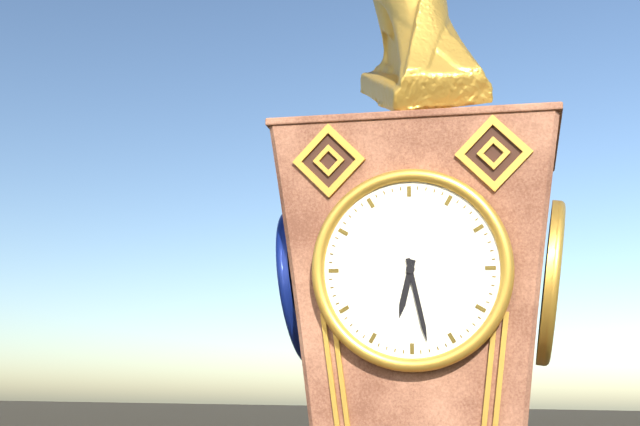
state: 6:28
